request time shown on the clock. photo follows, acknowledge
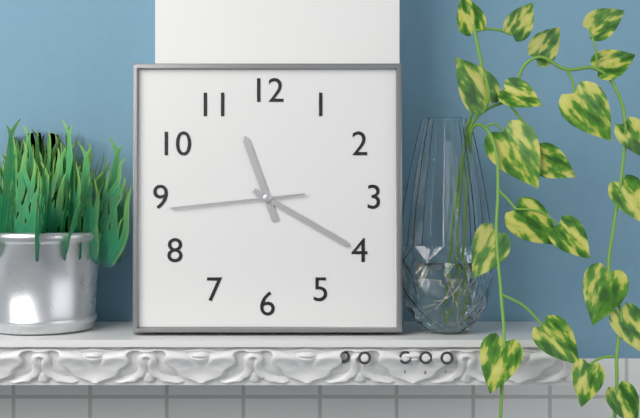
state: 11:20:44
